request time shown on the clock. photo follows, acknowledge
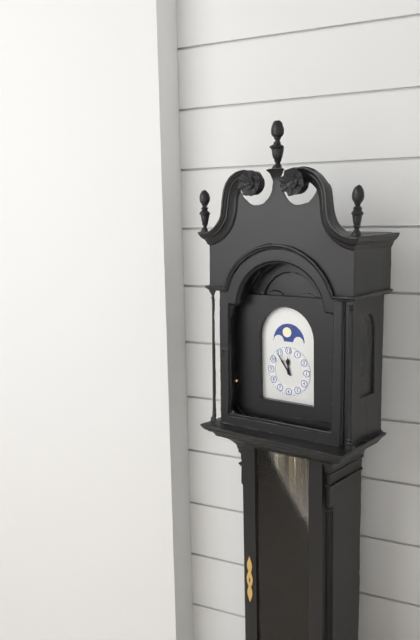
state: 11:54
